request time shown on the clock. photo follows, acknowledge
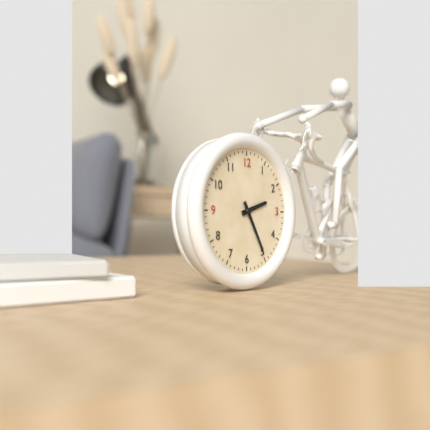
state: 2:25
